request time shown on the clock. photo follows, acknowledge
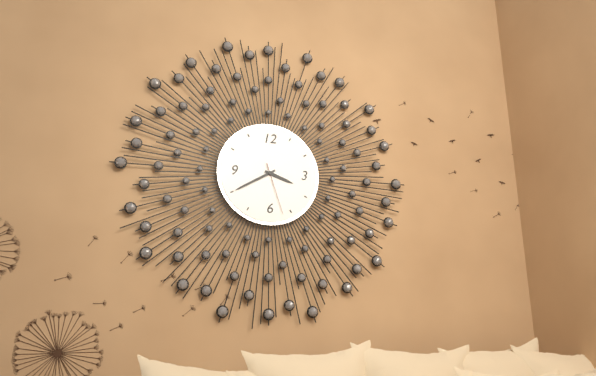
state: 3:40:27
